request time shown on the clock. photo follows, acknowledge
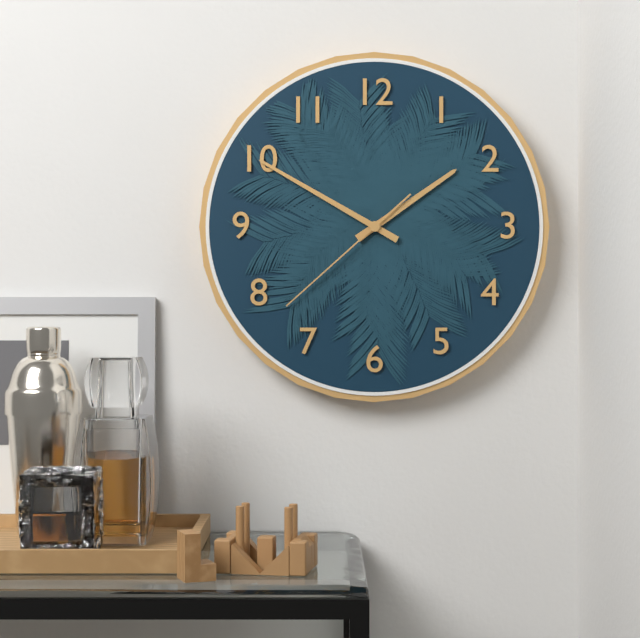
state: 1:50:38
